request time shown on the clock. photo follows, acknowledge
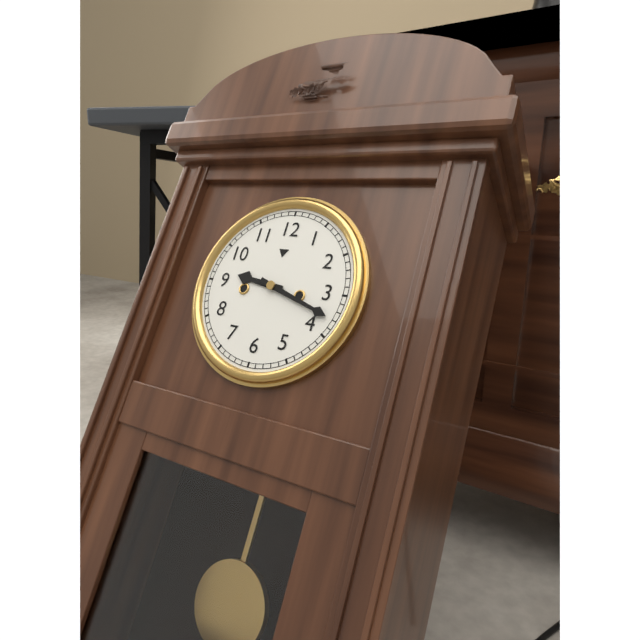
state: 9:18
